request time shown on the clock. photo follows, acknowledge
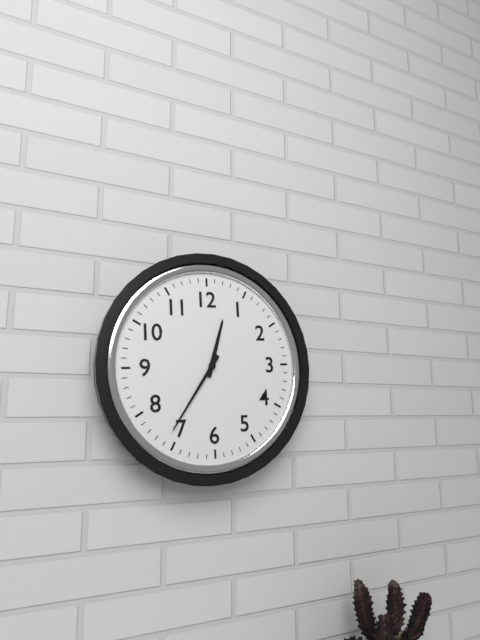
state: 12:36
